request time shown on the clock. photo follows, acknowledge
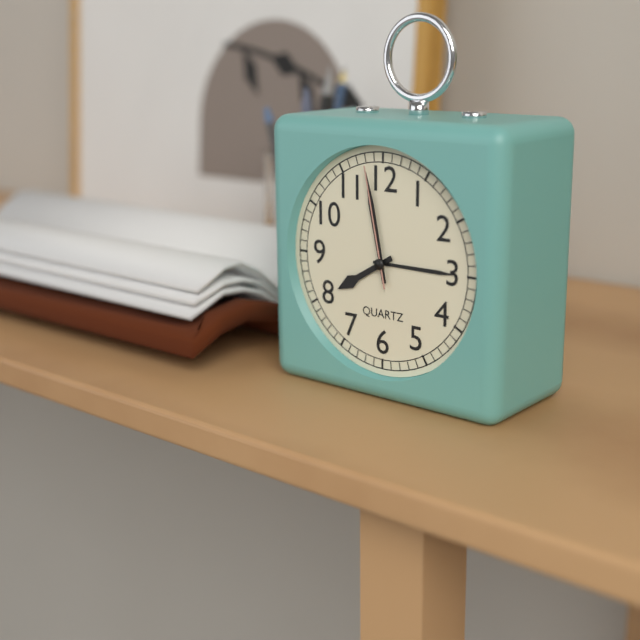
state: 7:58:58
